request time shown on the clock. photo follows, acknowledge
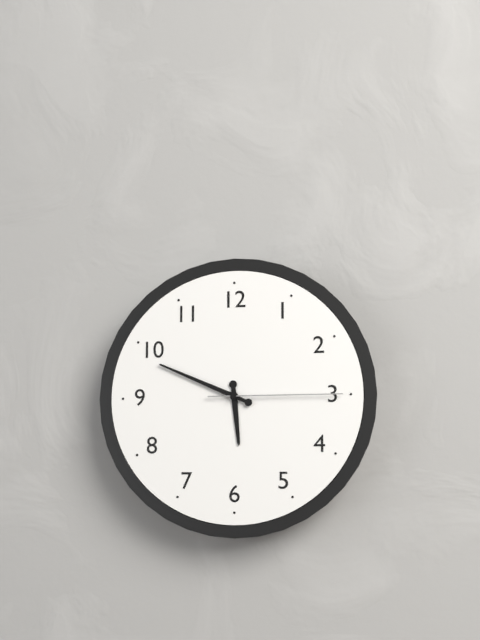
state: 5:49:15
